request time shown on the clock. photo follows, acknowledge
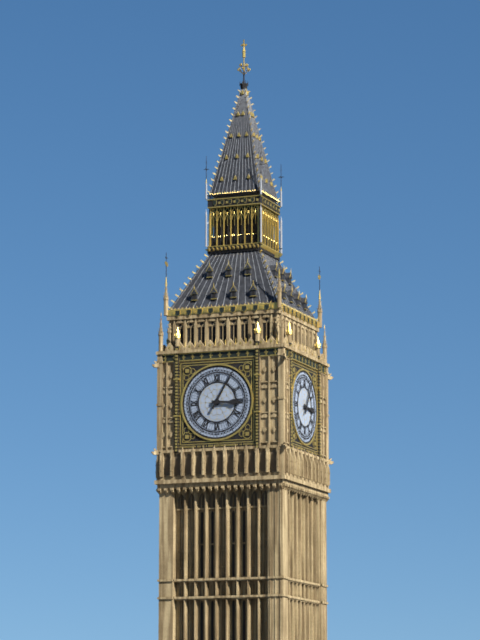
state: 3:05
